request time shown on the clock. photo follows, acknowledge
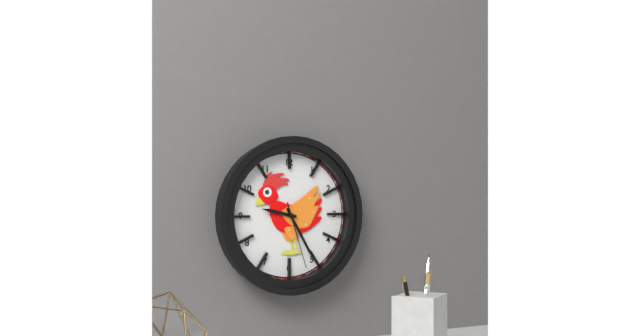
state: 9:25:27
